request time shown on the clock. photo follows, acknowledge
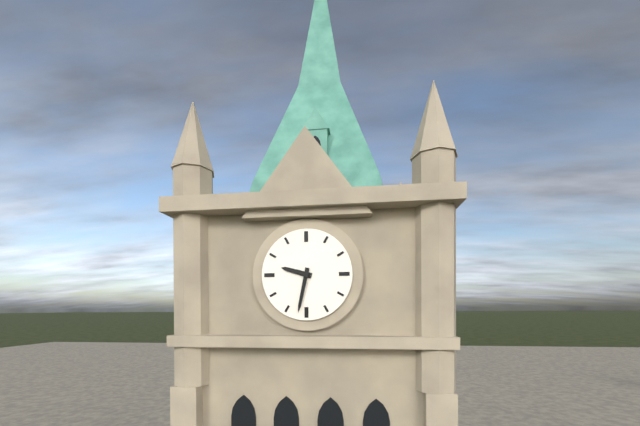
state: 9:32
